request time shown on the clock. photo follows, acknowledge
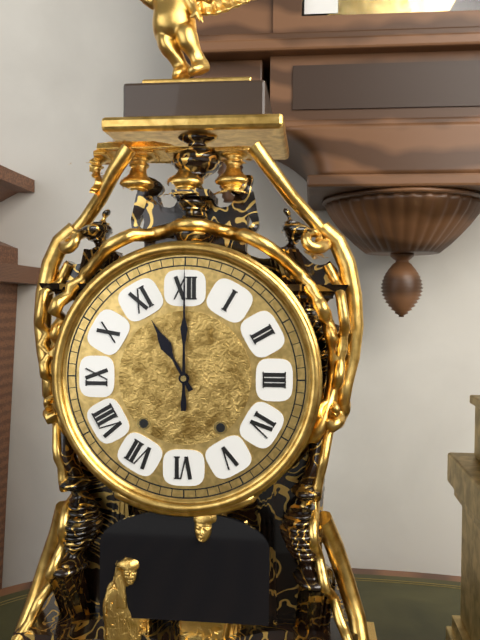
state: 11:00
